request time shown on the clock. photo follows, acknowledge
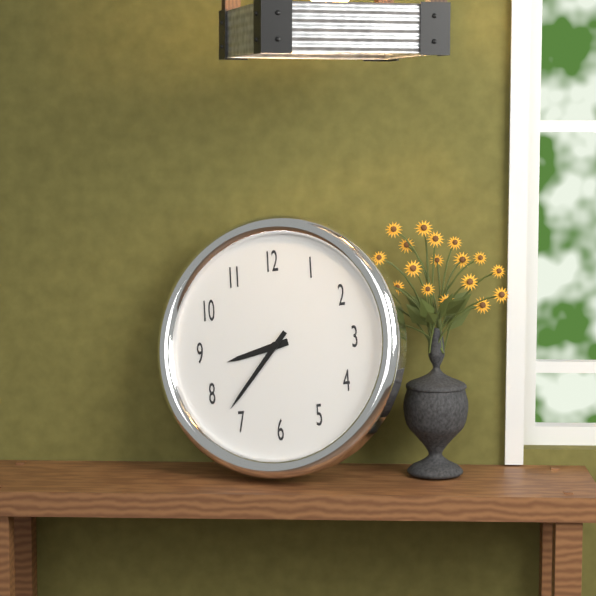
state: 8:37
